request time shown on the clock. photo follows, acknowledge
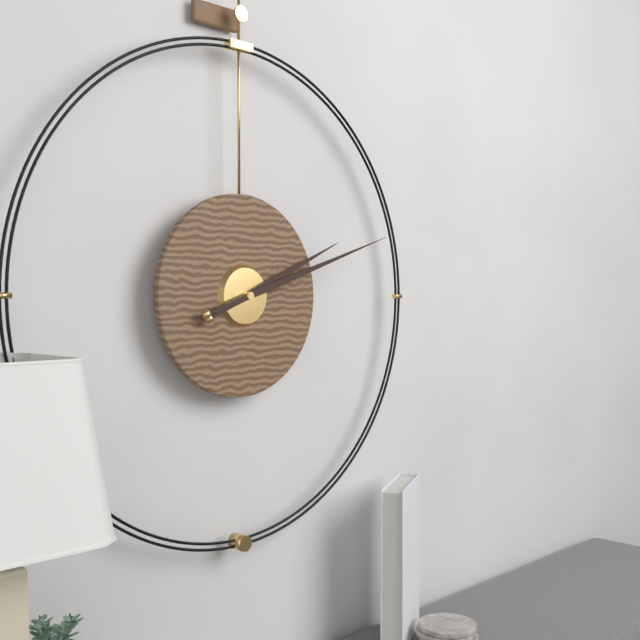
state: 2:12
